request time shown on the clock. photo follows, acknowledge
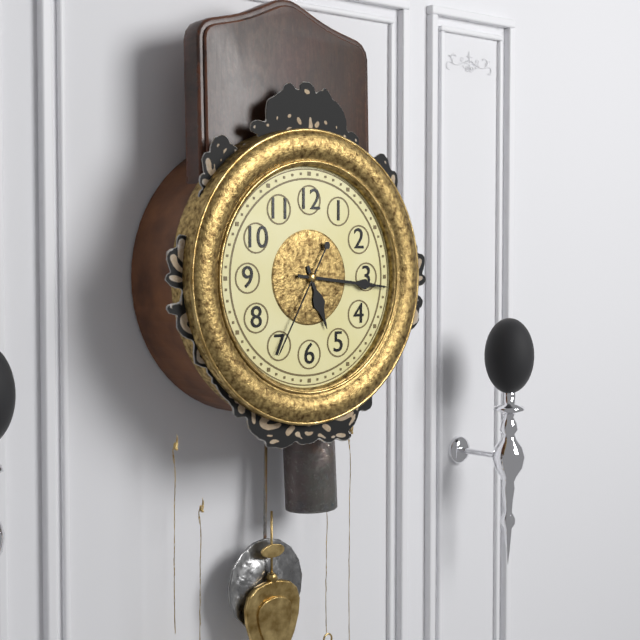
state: 5:16:35
